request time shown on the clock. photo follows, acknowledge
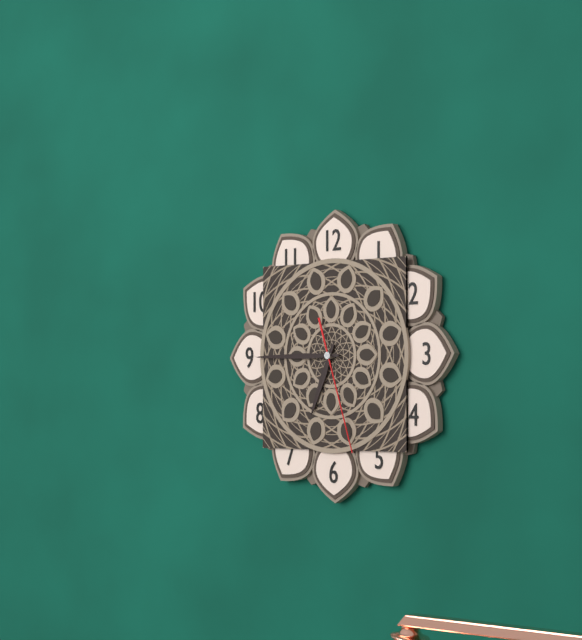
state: 6:45:27
